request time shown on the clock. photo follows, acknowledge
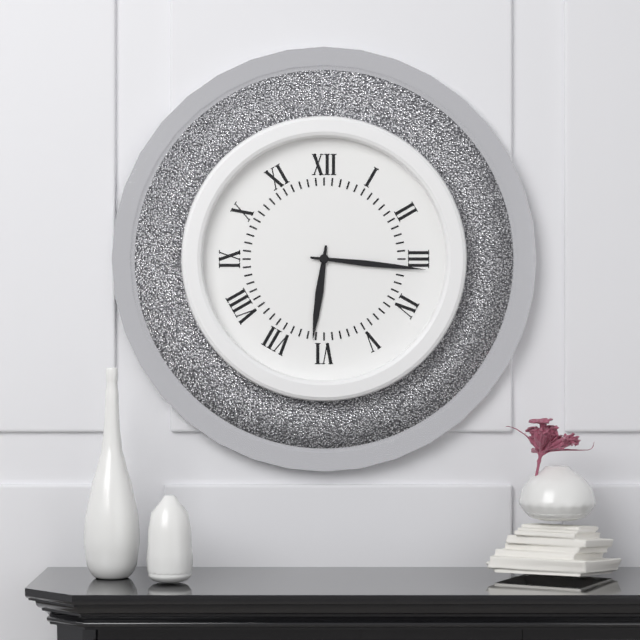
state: 6:16
